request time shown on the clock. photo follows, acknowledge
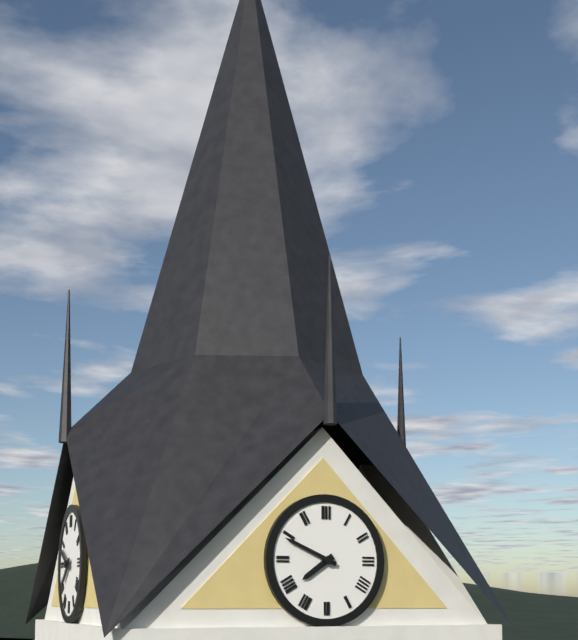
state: 7:49
